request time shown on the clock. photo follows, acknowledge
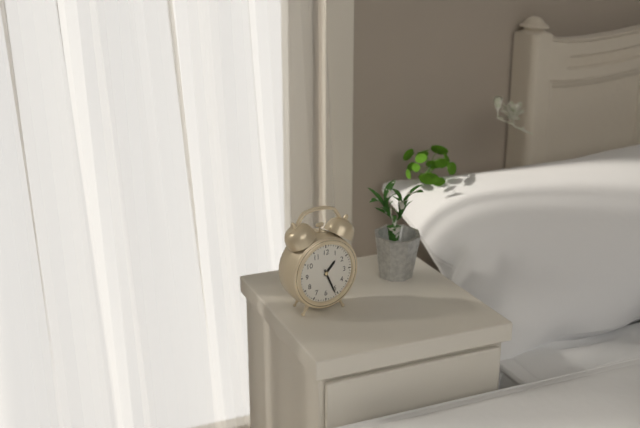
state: 1:26
